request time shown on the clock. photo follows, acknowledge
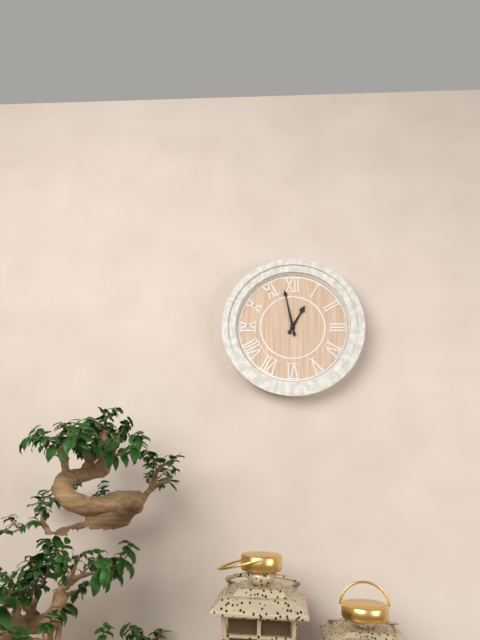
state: 12:58
